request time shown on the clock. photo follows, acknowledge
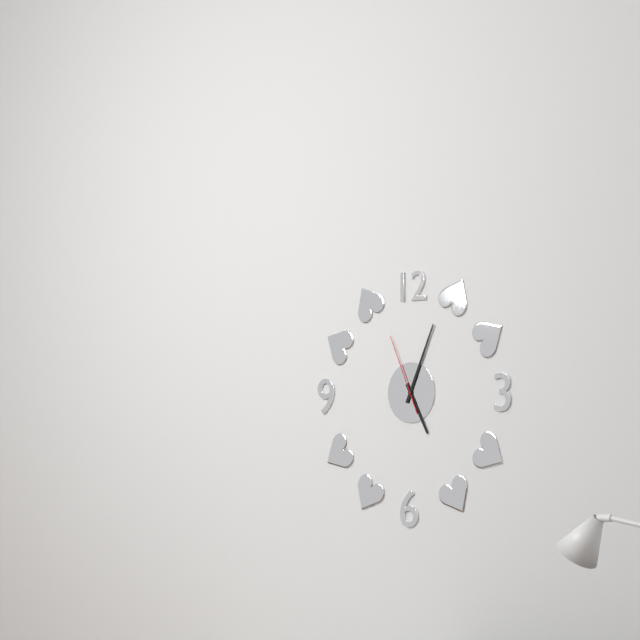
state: 5:04:56
